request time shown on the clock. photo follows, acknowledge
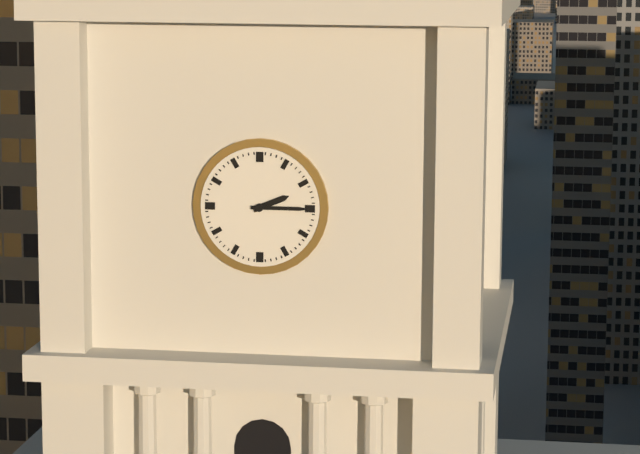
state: 2:15
